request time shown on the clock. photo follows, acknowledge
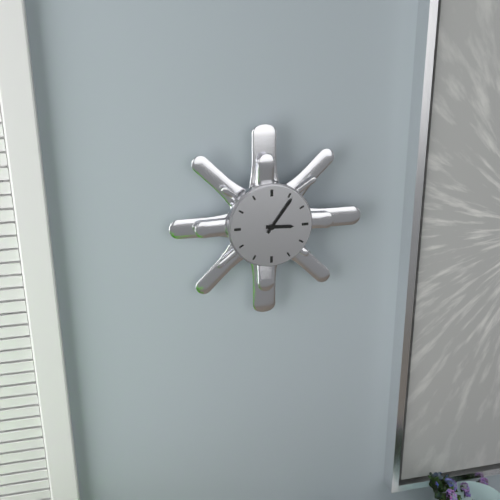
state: 3:06
